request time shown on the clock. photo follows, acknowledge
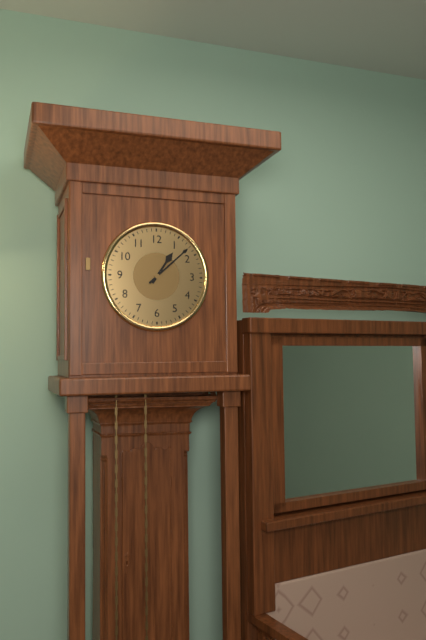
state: 1:08
